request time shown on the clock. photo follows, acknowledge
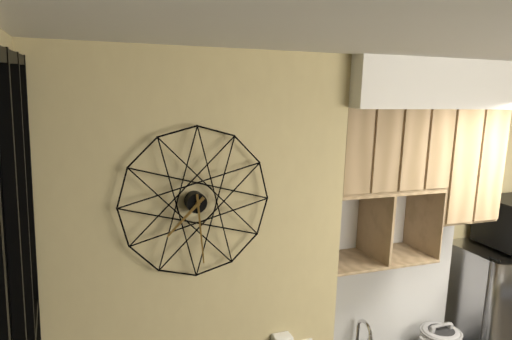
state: 7:29
